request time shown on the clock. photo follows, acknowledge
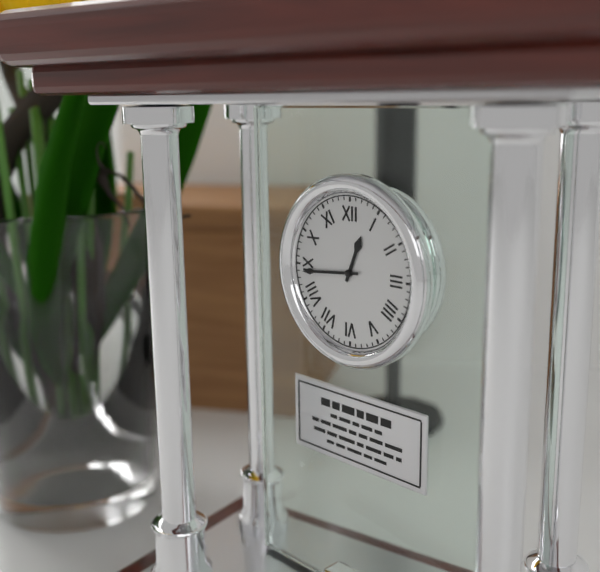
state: 12:44
